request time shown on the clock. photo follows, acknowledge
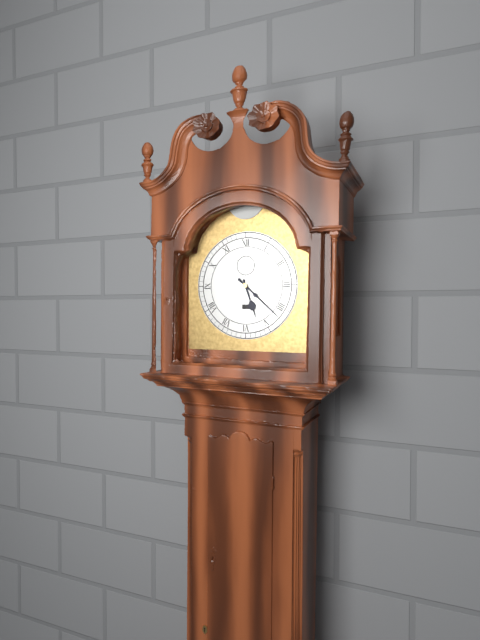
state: 5:22
